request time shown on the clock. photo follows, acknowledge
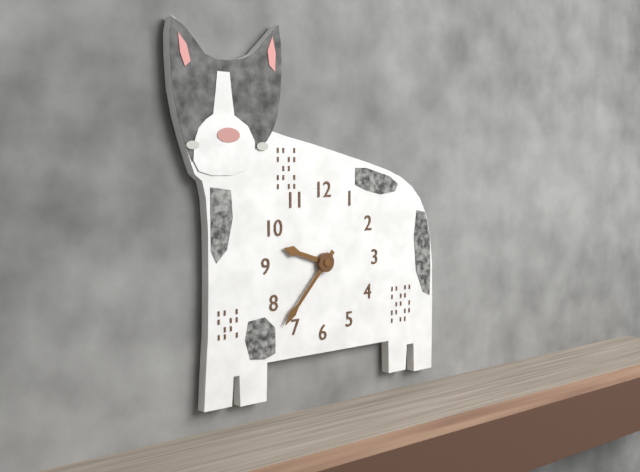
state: 9:37
